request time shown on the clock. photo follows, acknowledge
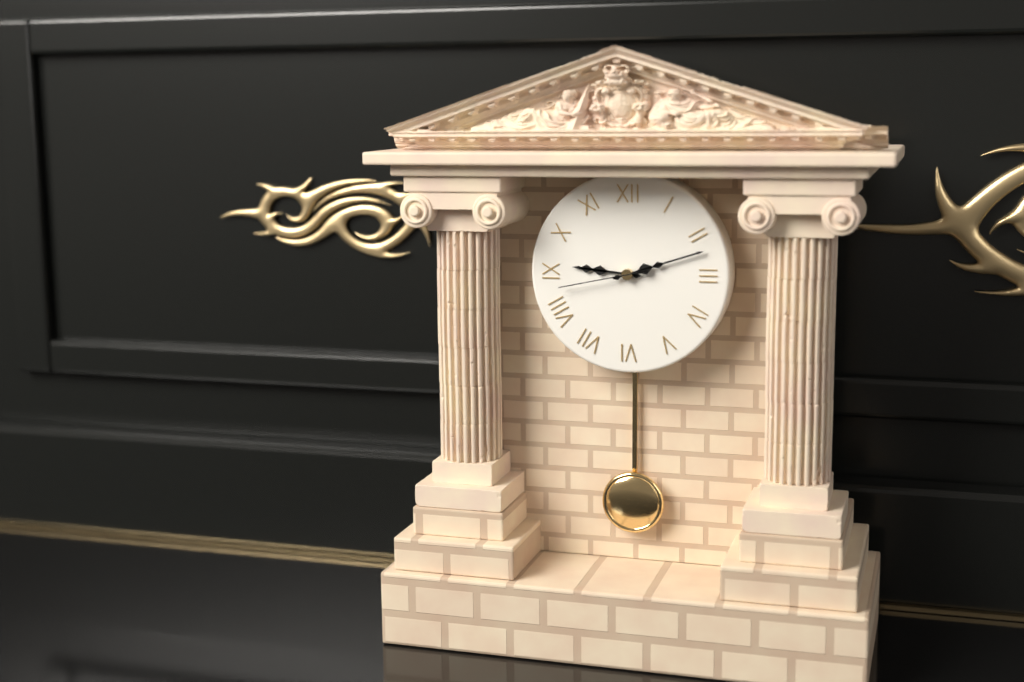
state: 9:12:43
